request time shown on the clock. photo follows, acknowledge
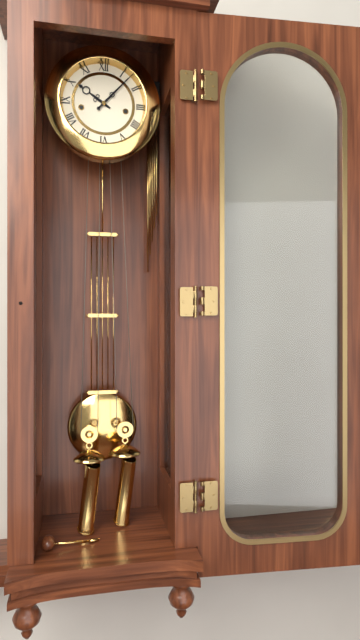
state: 10:07
